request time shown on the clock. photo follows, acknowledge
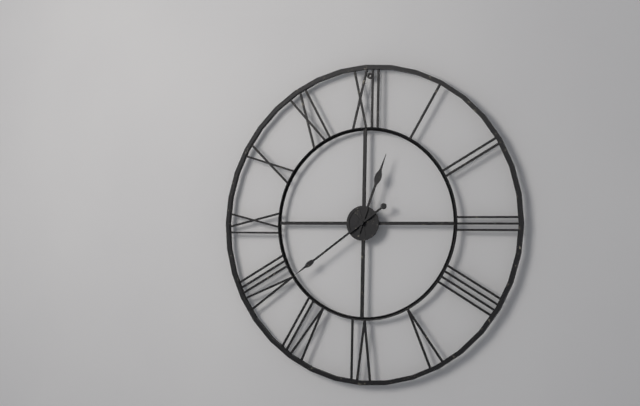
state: 12:39
